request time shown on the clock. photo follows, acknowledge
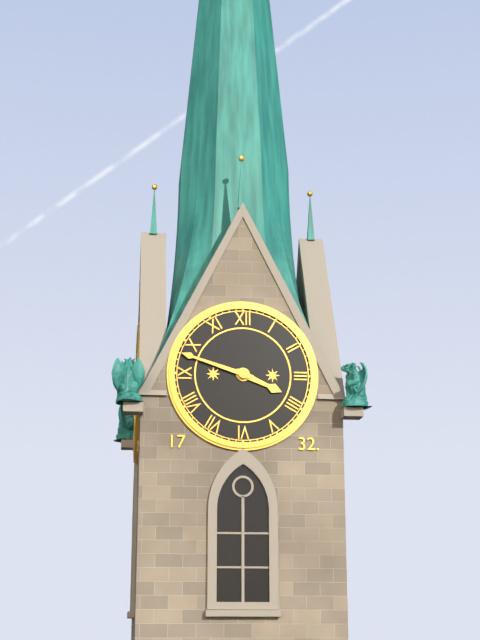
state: 3:48
